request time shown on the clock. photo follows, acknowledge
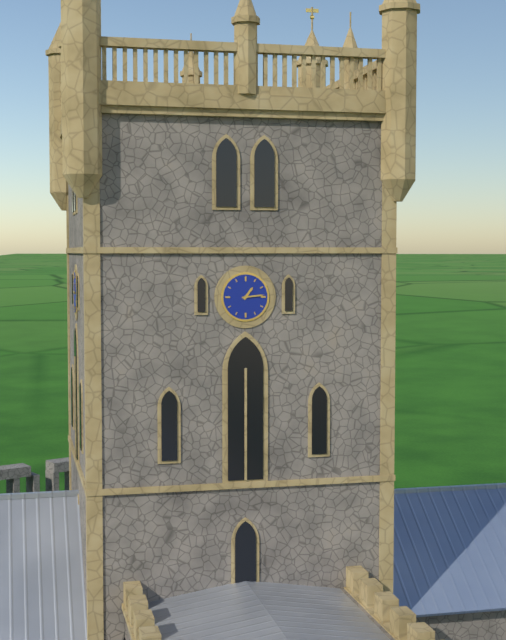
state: 1:14
